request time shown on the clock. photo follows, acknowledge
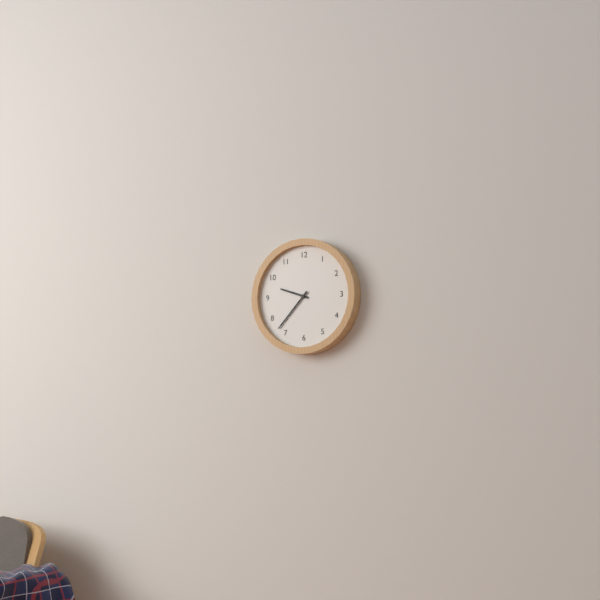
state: 9:37
